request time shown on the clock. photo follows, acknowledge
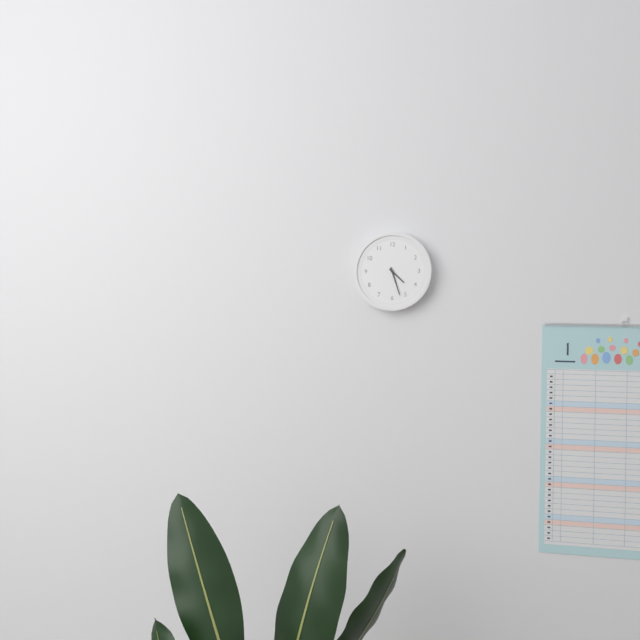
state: 4:27
